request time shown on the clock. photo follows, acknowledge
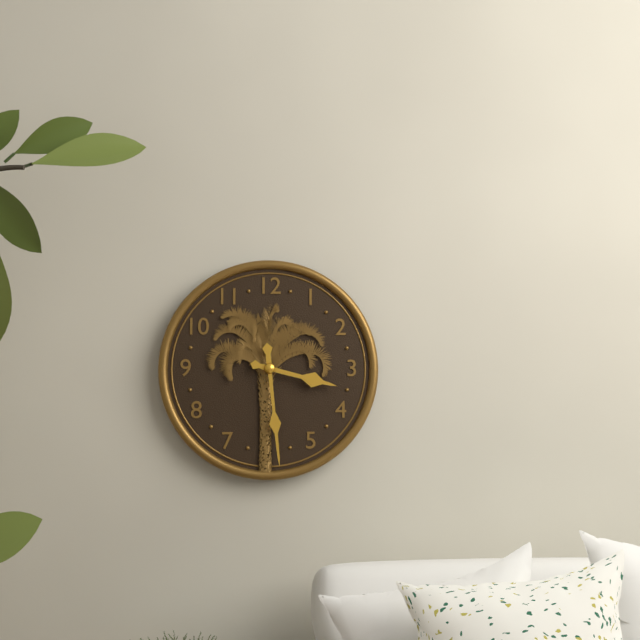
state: 3:29
